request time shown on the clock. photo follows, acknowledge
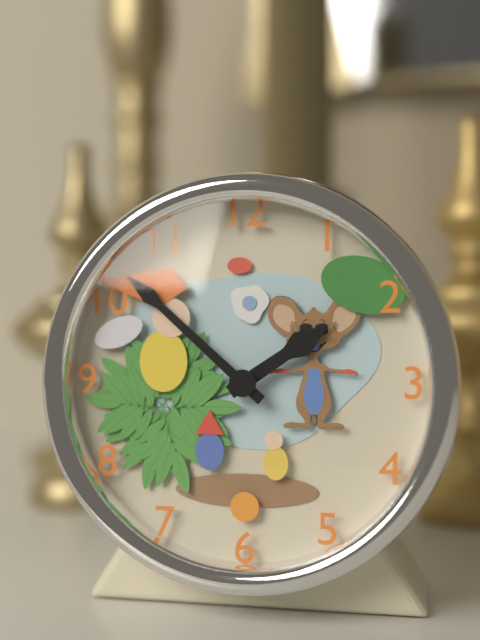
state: 1:52
